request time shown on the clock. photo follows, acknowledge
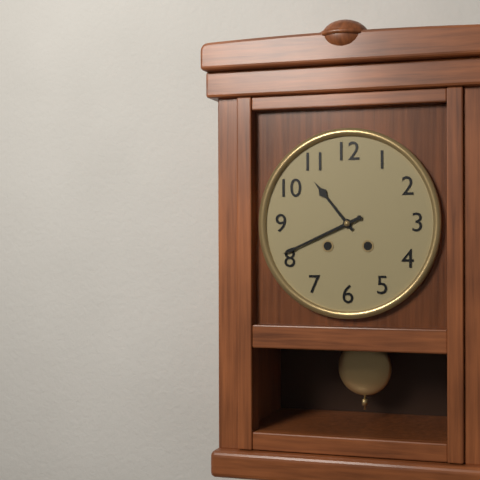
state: 10:41
